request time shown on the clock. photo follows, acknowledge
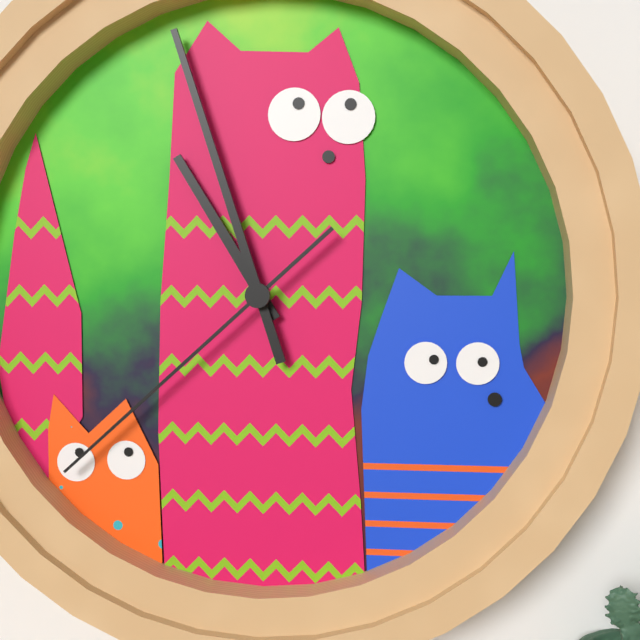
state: 10:57:38
